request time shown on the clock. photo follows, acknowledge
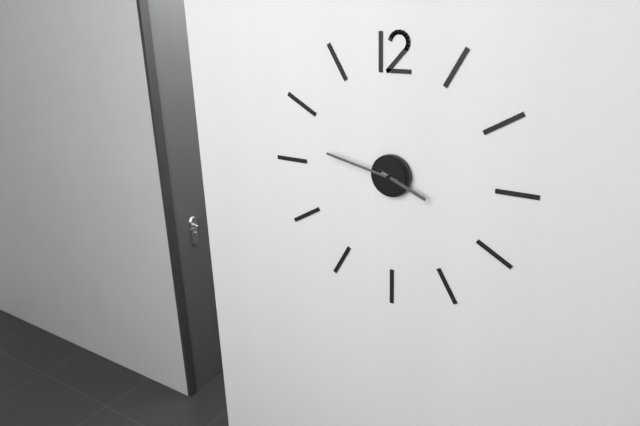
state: 3:47
